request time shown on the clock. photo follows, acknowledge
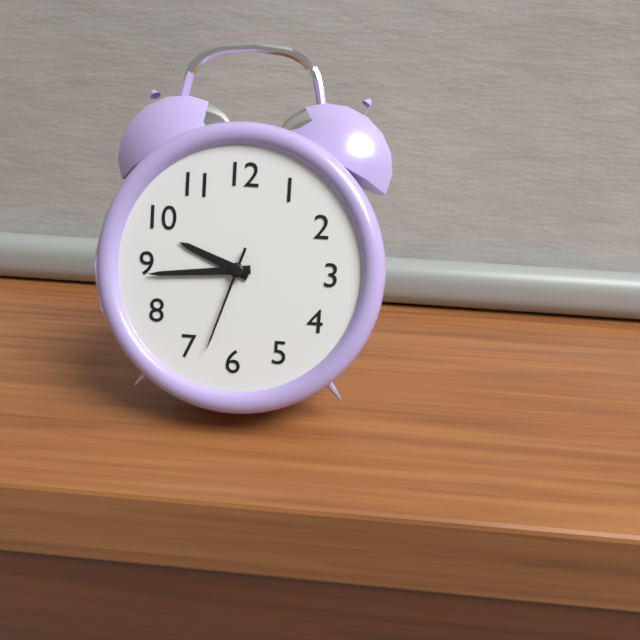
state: 9:44:33
